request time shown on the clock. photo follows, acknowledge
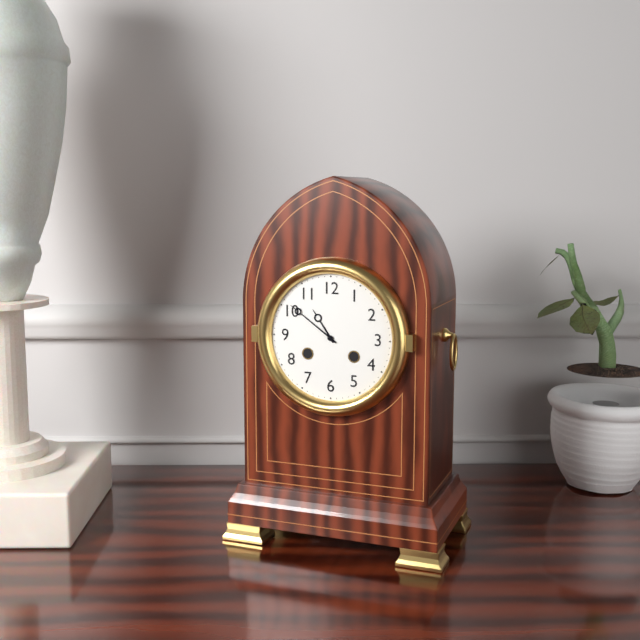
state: 10:51
